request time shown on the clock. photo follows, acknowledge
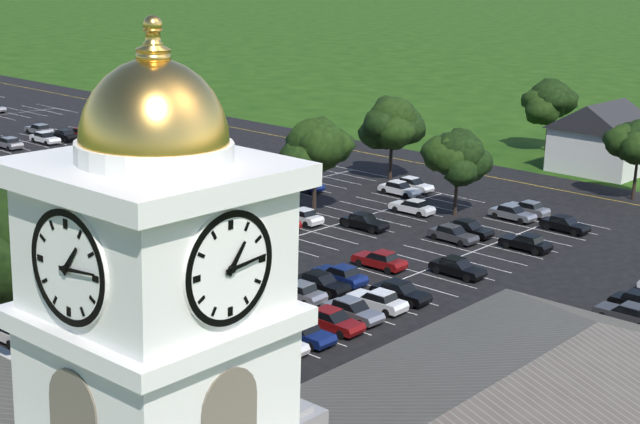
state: 1:14
